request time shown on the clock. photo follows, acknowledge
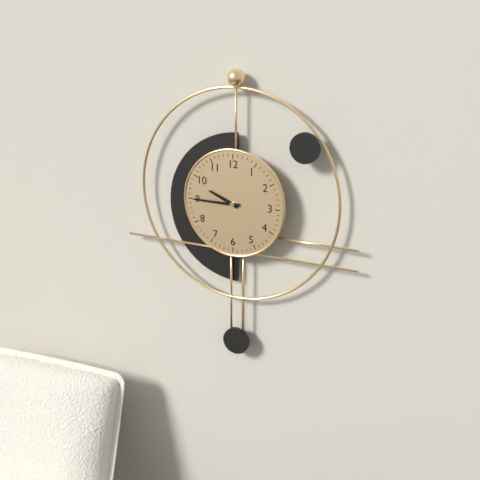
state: 9:45
